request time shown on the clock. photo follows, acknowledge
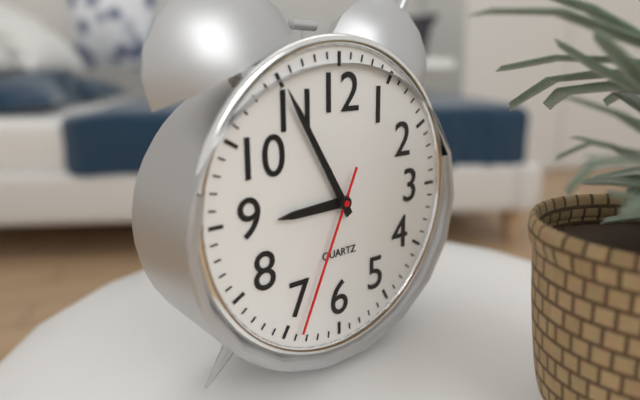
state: 8:55:34
